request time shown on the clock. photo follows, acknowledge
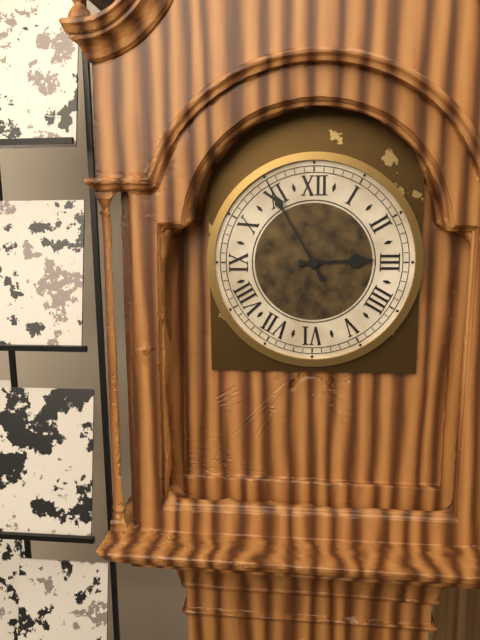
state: 2:55
